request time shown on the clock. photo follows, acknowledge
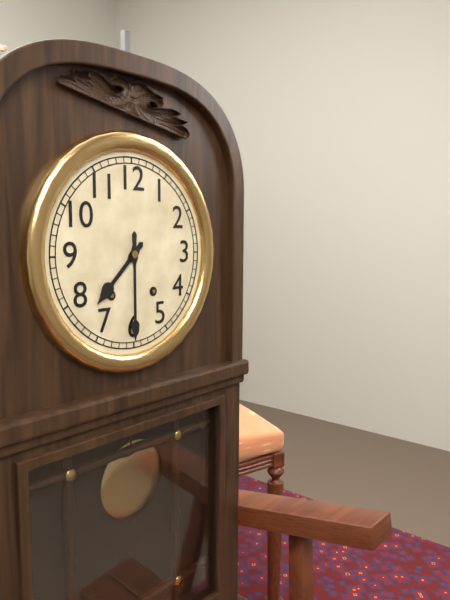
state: 7:30
